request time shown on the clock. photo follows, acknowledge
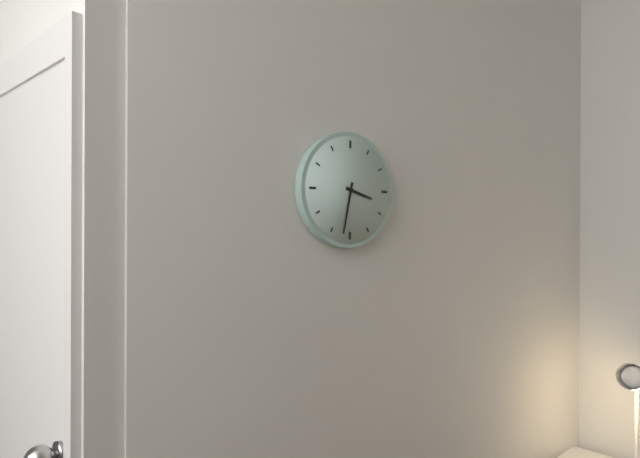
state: 3:32
